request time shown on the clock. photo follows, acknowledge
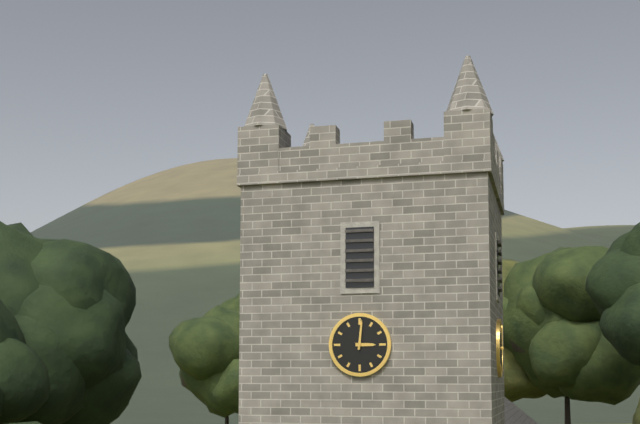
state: 3:01
